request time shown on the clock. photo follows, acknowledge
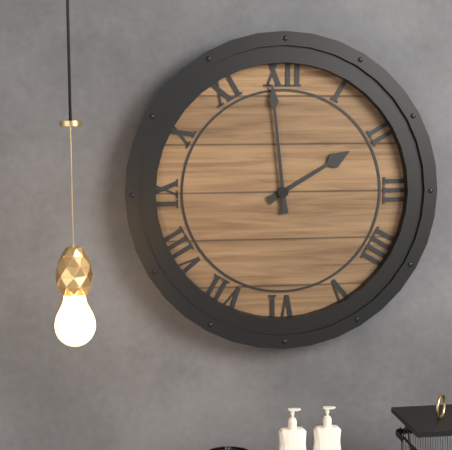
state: 1:59
